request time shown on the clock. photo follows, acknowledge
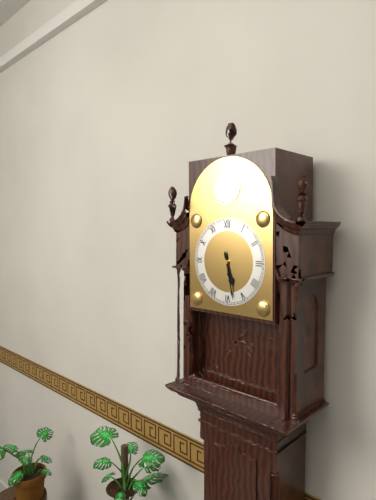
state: 5:28
